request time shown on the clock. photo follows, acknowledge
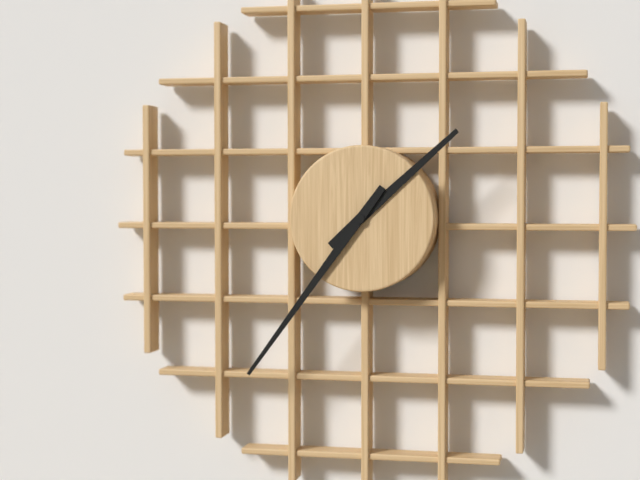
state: 1:36
